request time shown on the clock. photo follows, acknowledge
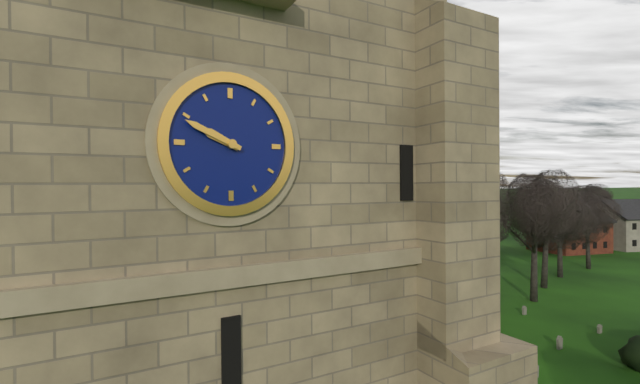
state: 9:49
